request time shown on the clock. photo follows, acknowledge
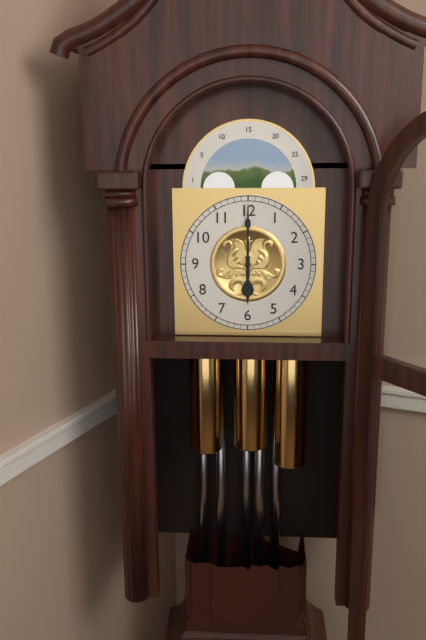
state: 6:00
